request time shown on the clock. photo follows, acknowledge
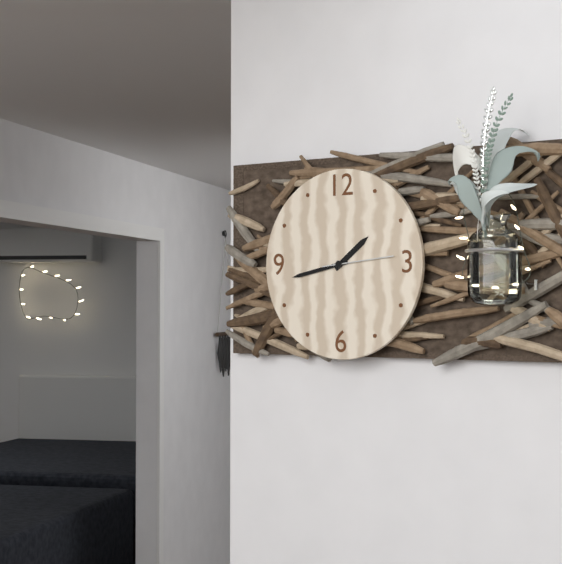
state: 1:43:14
